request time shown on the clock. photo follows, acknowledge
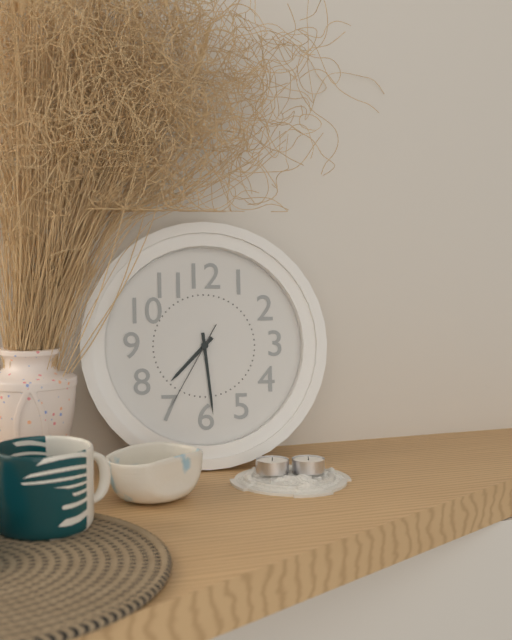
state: 7:29:35
